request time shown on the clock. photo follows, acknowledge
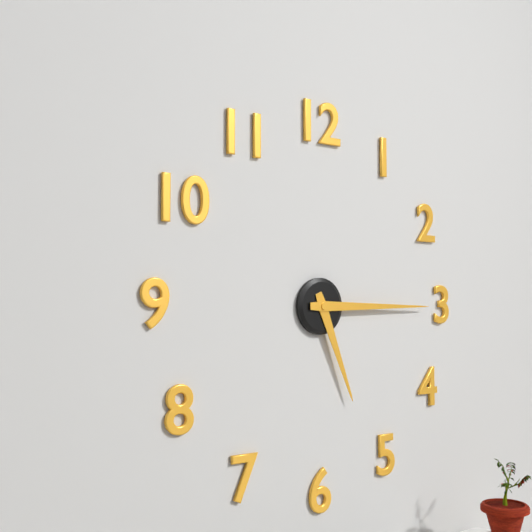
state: 5:15
